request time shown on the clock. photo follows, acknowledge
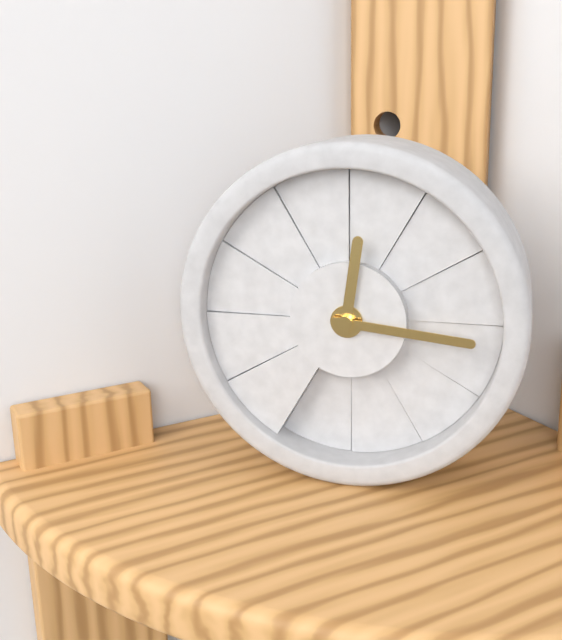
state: 12:16
